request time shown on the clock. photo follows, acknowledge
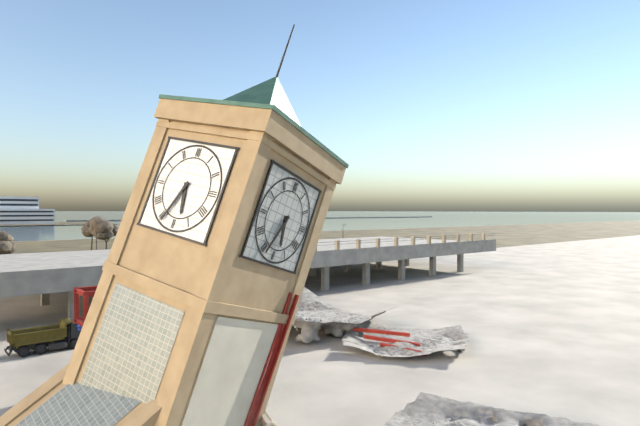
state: 5:34
